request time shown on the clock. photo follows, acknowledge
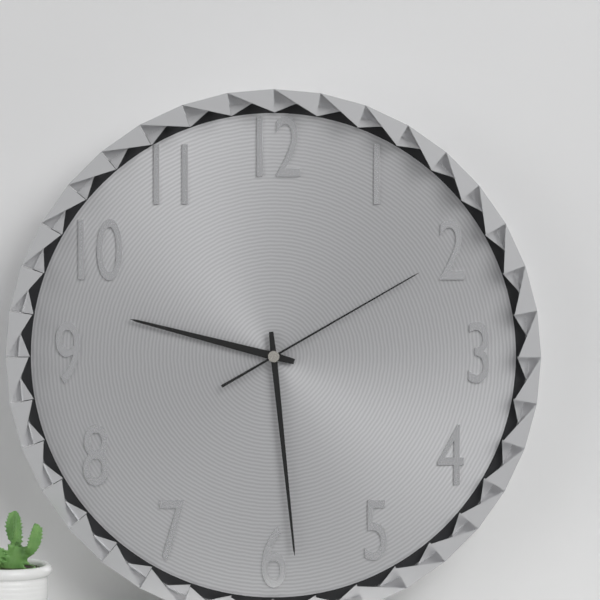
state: 9:29:10
